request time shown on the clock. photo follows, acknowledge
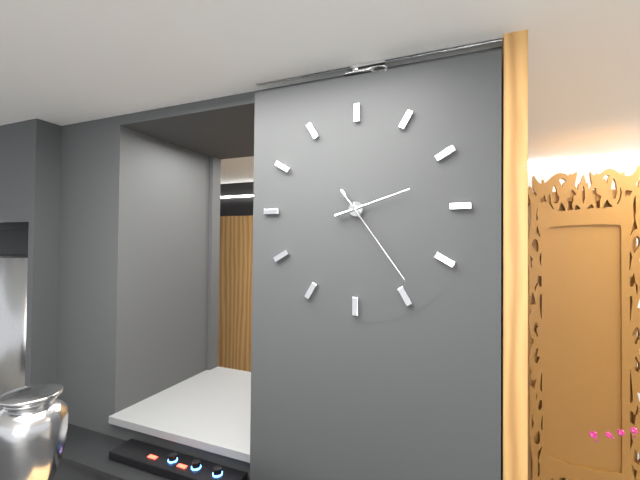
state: 2:24
